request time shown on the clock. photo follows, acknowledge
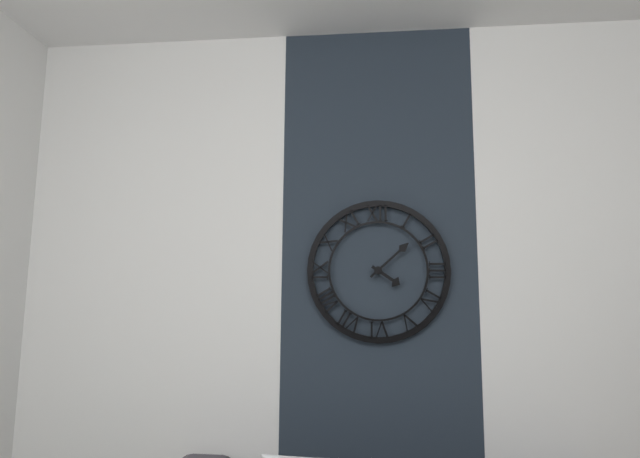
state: 4:08
